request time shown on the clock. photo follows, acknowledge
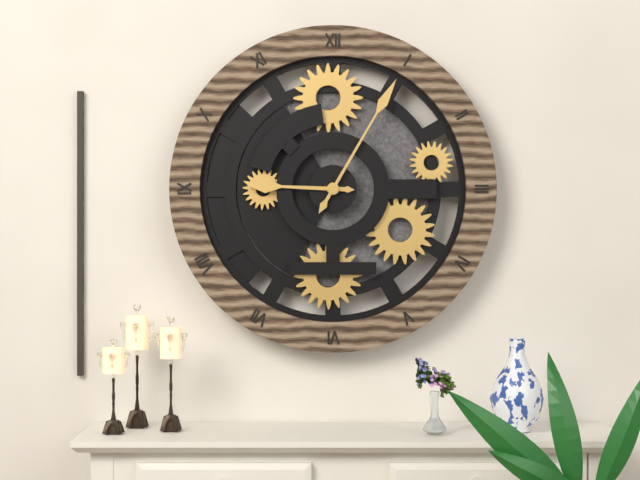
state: 9:05
